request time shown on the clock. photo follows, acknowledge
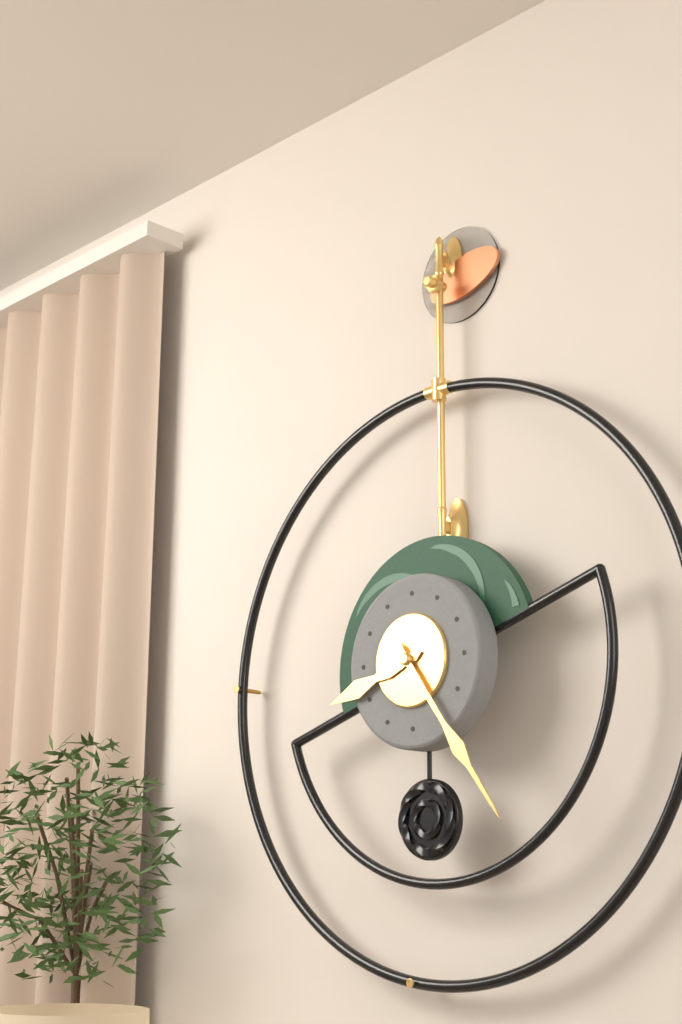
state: 8:24
